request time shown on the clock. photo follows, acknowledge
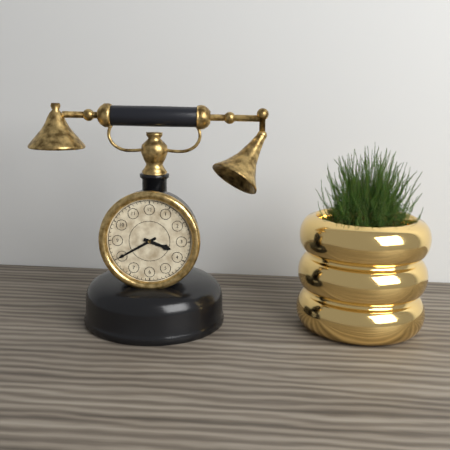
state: 3:40
